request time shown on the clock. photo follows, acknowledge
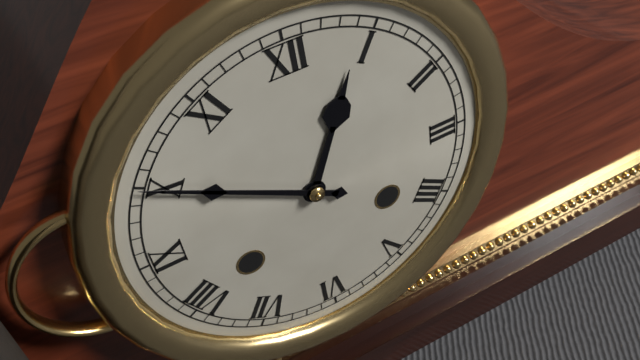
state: 12:50
